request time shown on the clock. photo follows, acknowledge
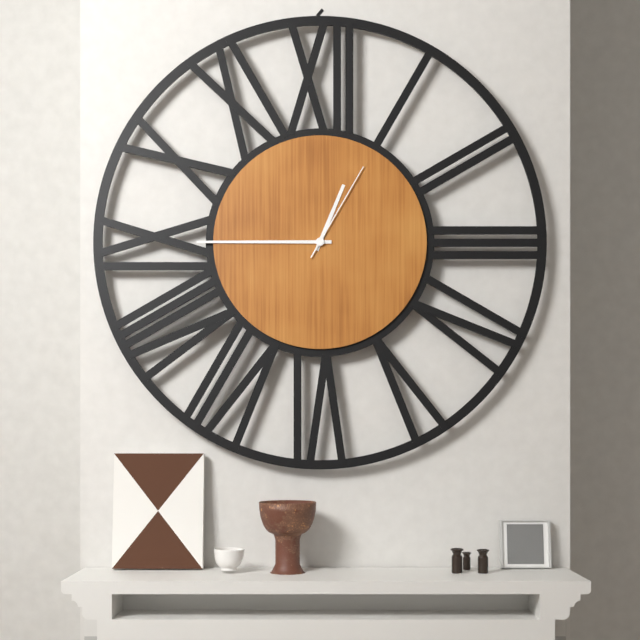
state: 12:45:05
